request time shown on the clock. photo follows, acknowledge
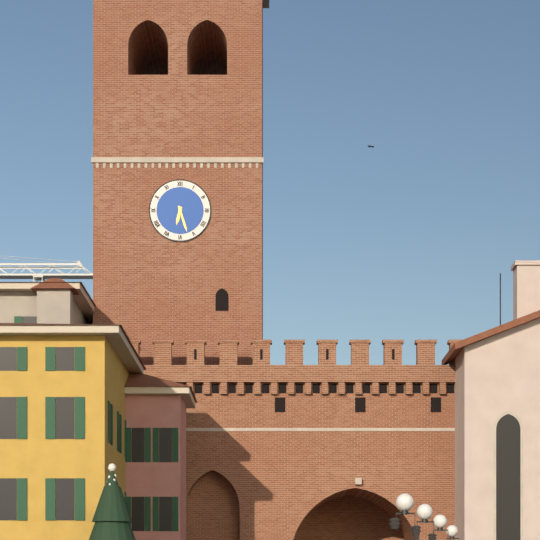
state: 6:27
